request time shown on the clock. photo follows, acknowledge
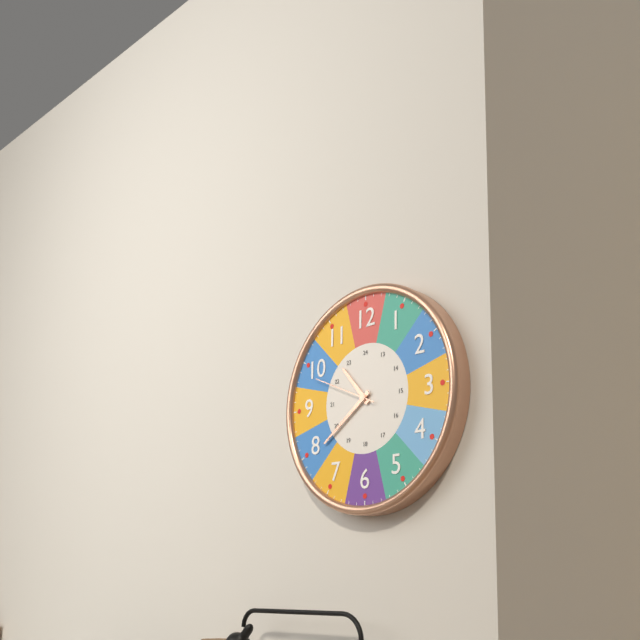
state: 10:39:49
